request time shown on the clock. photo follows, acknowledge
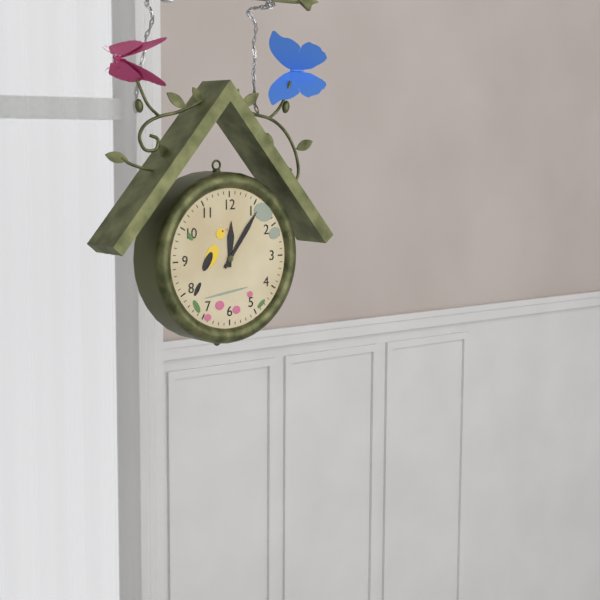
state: 12:06
